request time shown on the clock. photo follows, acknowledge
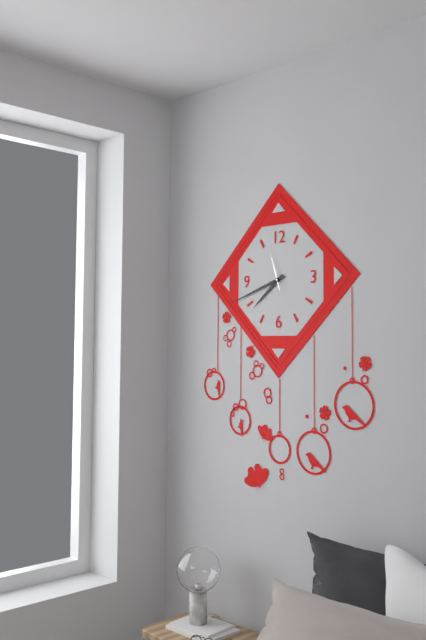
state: 7:42
